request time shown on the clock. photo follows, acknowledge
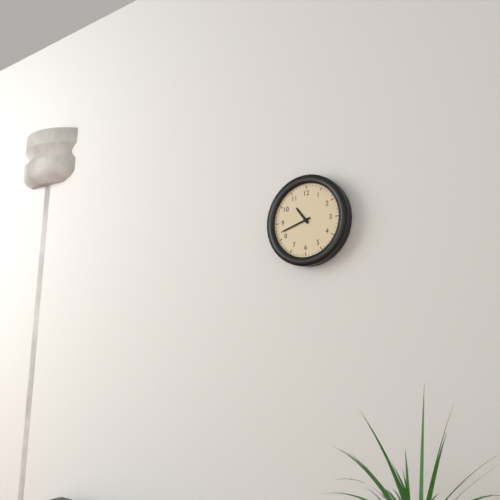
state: 10:42
